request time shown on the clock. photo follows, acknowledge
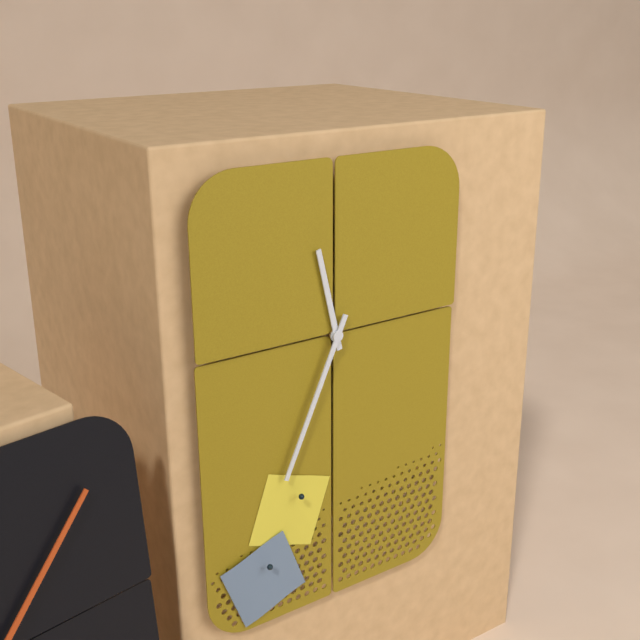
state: 11:34
